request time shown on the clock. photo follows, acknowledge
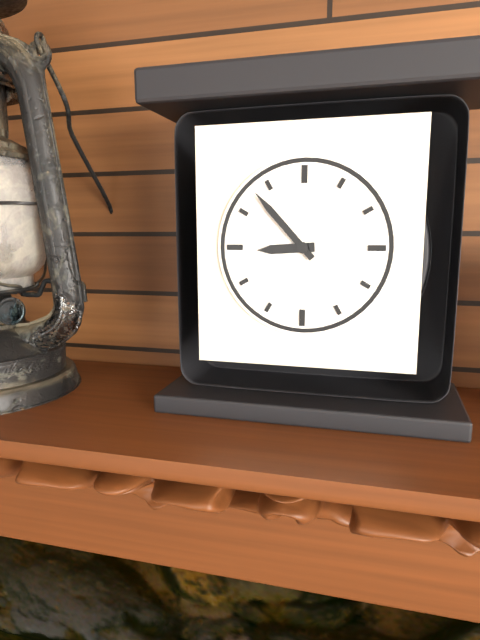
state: 8:53
